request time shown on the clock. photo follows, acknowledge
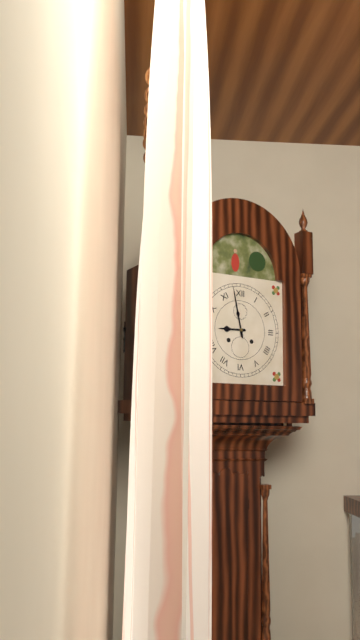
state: 8:58
